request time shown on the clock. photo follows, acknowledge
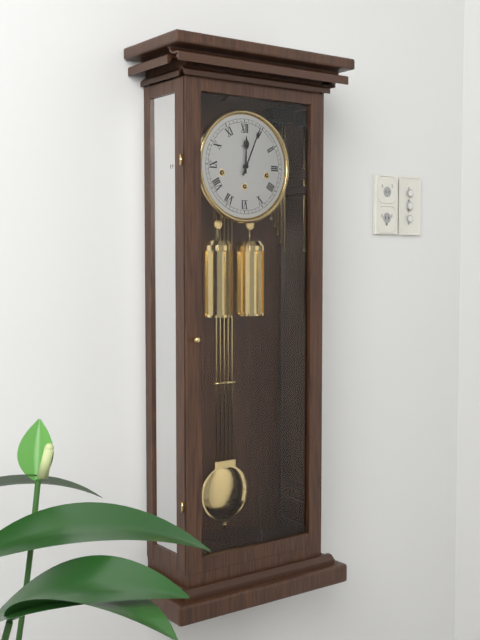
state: 12:04
